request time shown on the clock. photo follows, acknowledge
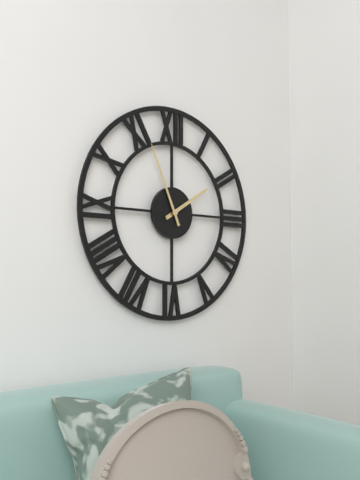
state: 1:56
